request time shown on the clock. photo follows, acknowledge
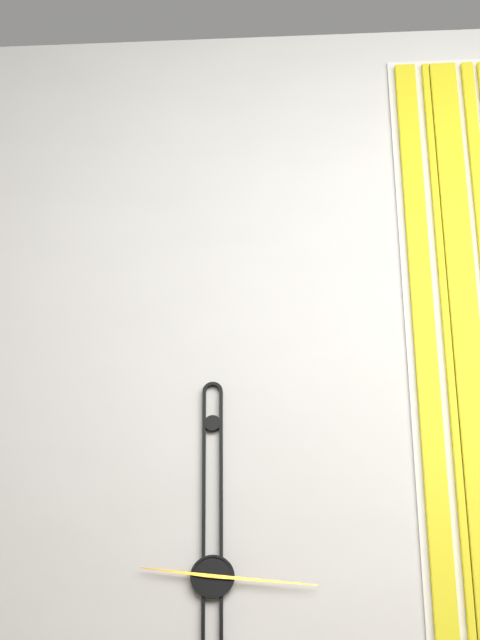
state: 9:16
